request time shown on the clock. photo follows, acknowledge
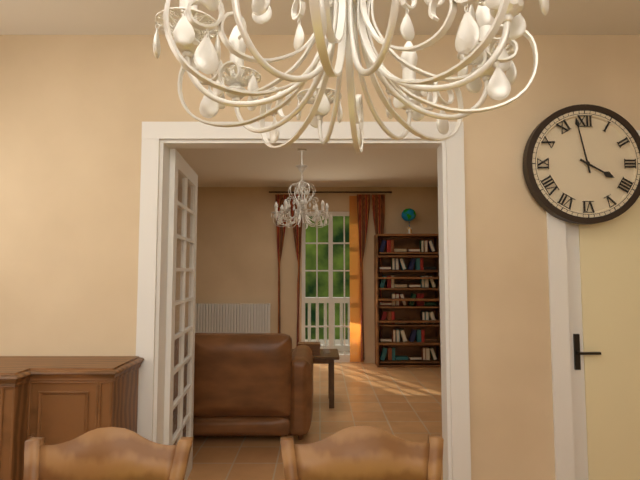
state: 3:58
